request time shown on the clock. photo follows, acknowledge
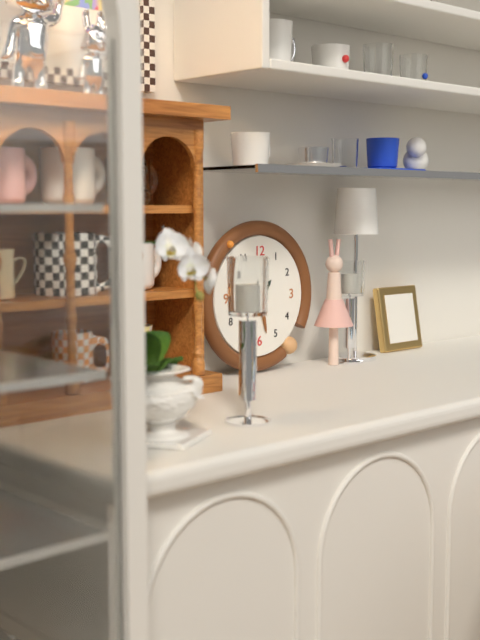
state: 1:28
